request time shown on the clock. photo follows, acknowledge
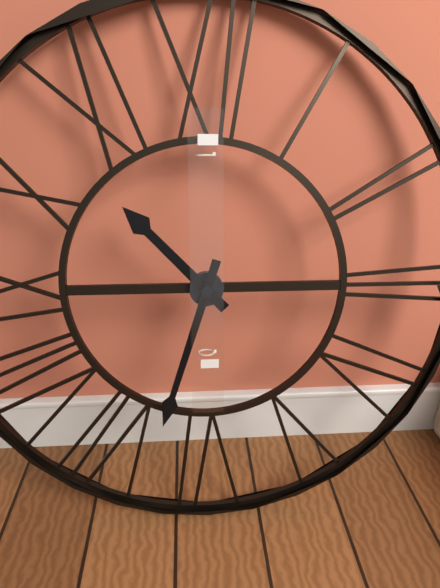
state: 10:33
